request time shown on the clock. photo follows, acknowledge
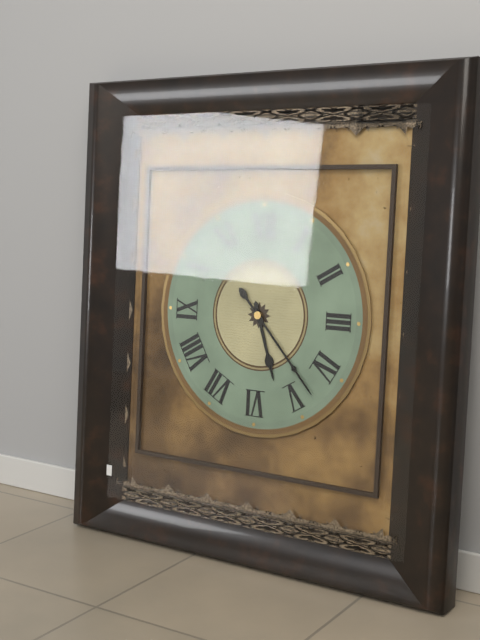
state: 5:23
